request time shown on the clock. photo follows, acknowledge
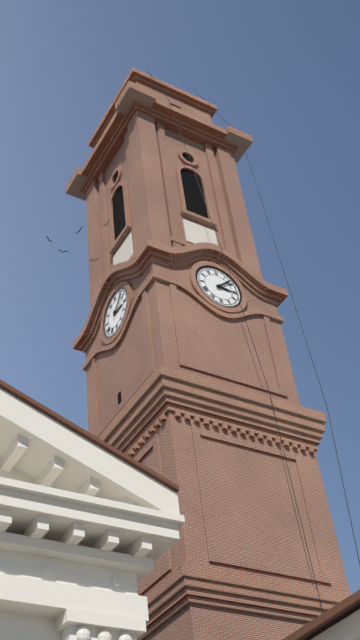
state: 3:08
